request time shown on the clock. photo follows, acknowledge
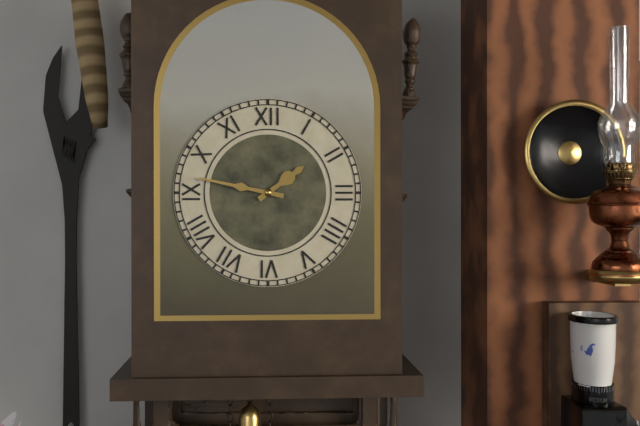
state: 1:47
